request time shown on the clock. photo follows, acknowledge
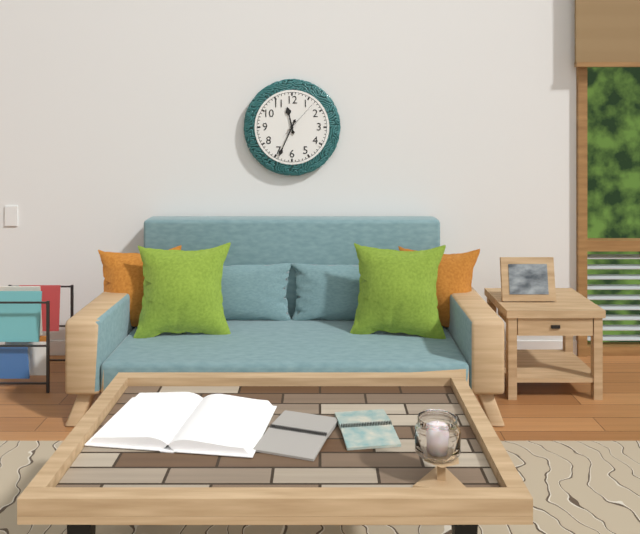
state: 11:34
